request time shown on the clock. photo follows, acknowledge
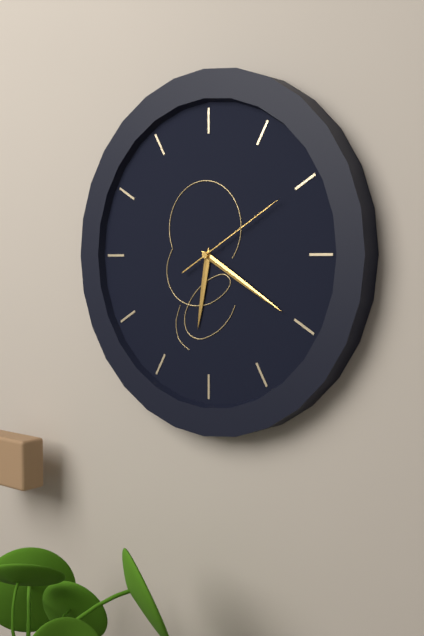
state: 6:20:10
